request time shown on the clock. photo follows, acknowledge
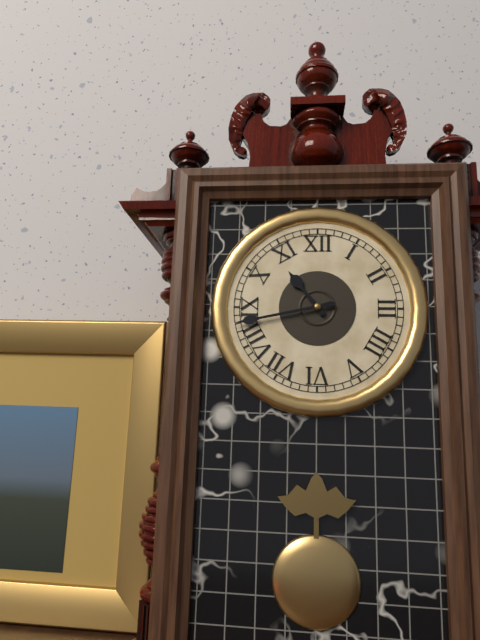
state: 10:43
